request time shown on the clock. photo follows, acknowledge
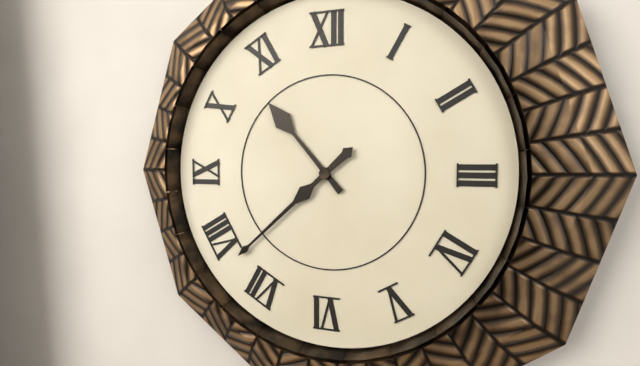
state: 10:38
